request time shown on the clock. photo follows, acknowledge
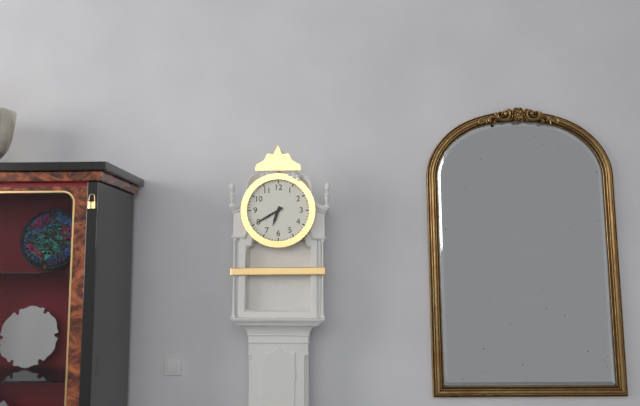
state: 6:40
